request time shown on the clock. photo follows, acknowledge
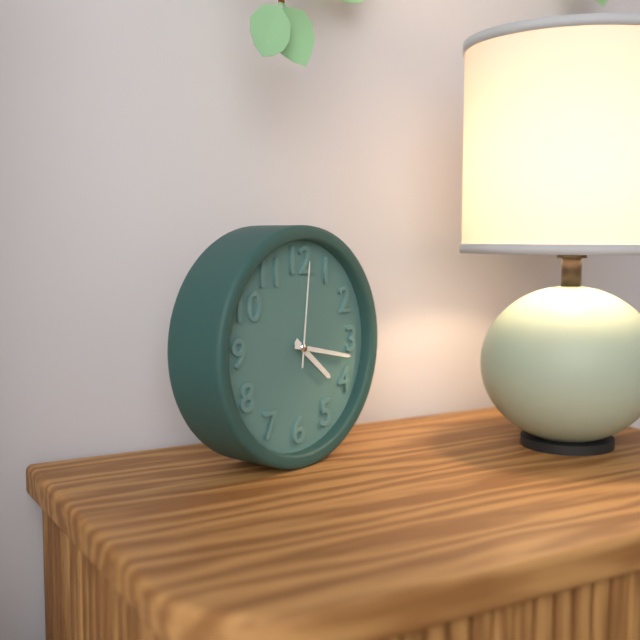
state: 4:17:01
